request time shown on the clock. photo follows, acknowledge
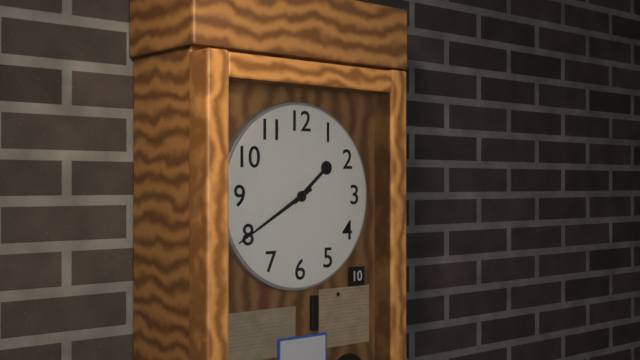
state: 1:40
